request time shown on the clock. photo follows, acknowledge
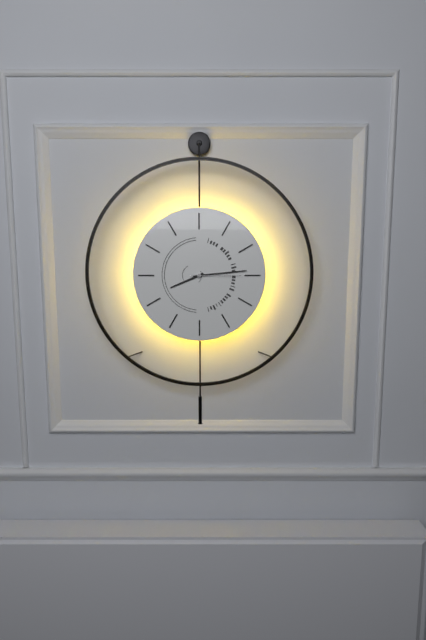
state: 8:14:15
